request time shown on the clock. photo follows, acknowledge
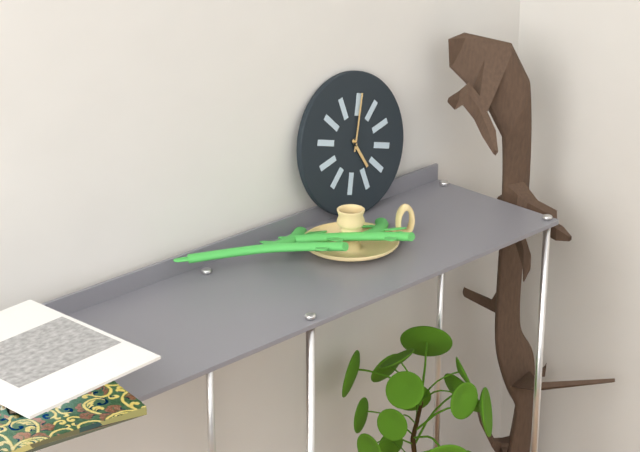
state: 5:03
